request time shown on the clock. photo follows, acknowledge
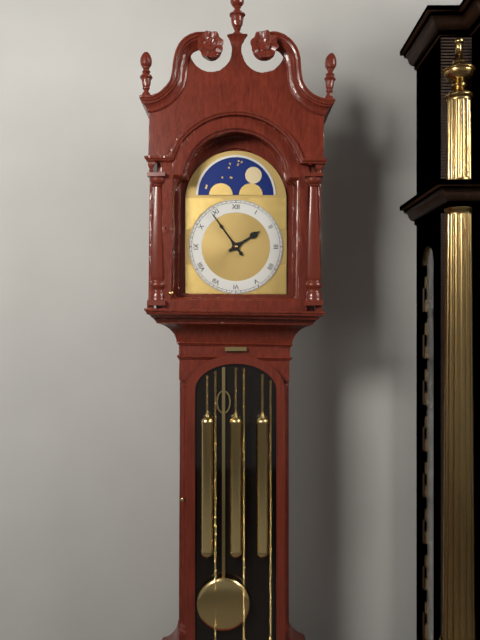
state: 1:54
